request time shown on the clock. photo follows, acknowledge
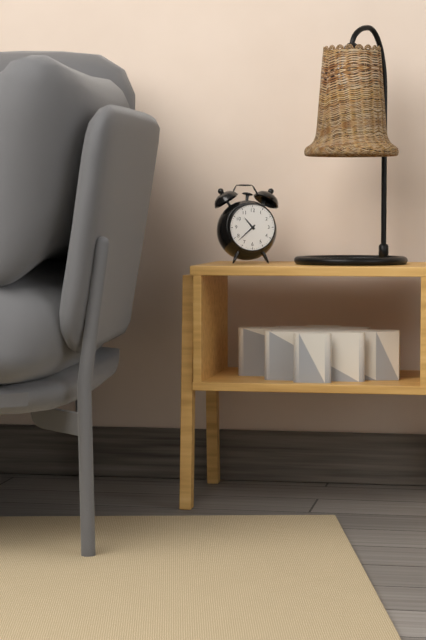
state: 10:38
